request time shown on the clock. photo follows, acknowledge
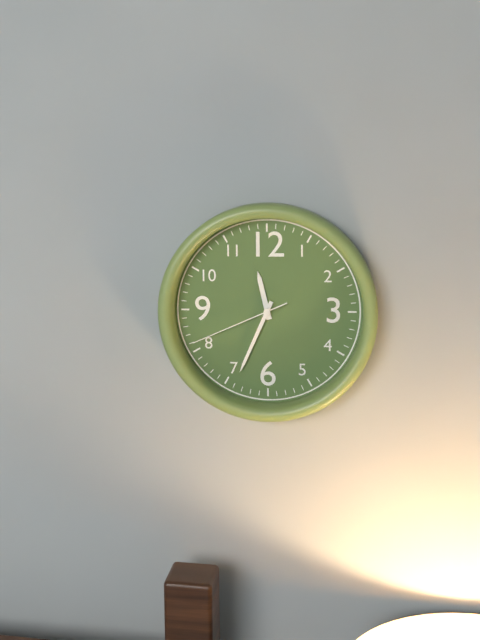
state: 11:34:41
